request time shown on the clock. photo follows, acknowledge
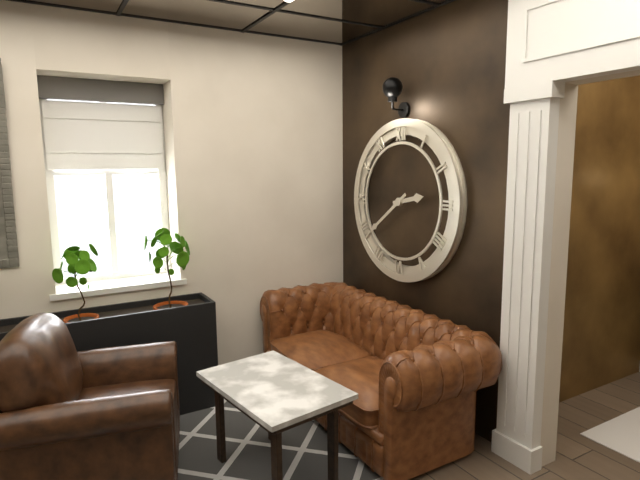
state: 2:39
